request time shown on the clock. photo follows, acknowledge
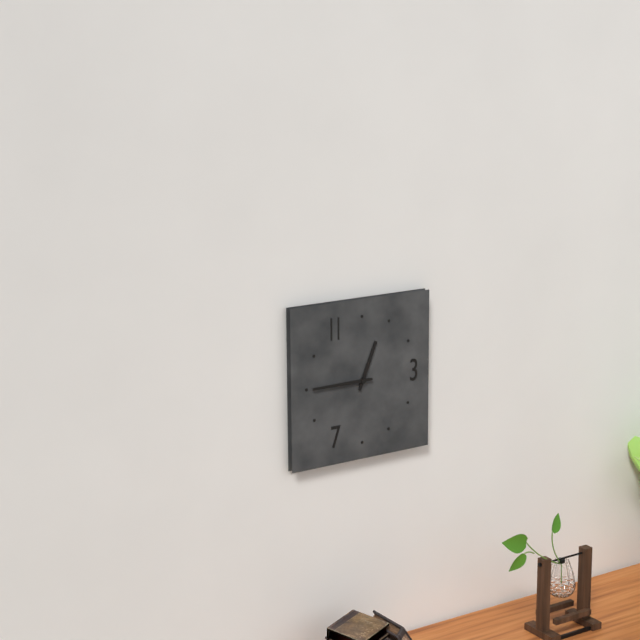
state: 12:45
